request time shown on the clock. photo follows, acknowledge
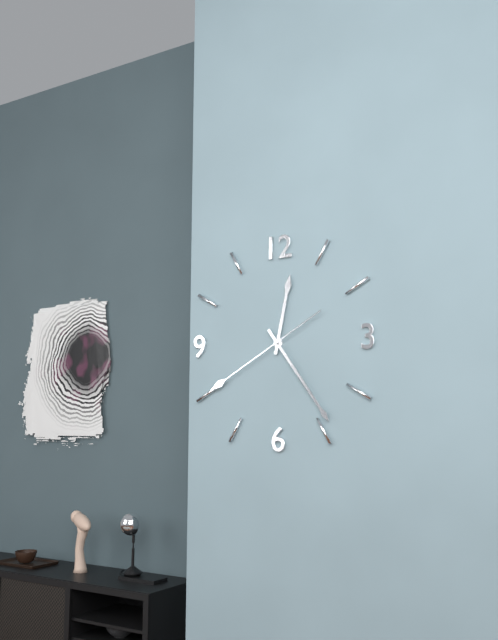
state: 12:24:40
